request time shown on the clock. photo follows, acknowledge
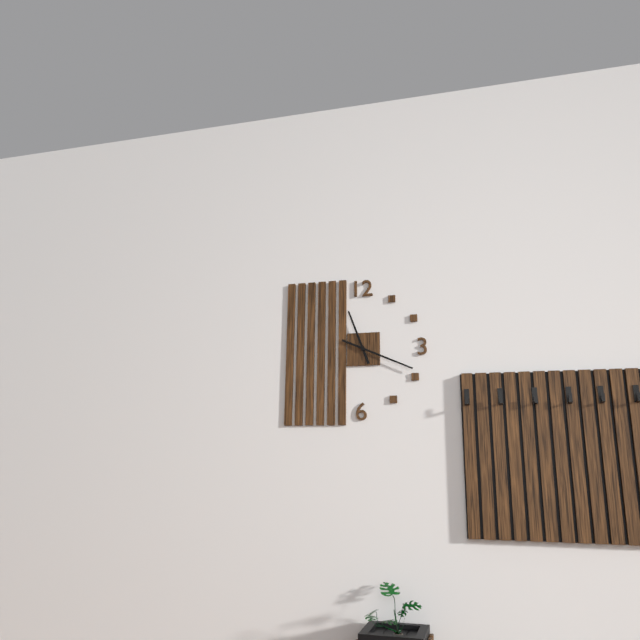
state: 11:19
